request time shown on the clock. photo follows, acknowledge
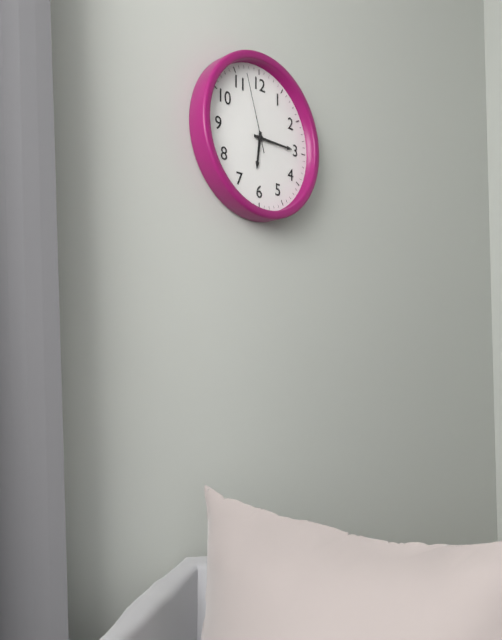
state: 6:15:57
